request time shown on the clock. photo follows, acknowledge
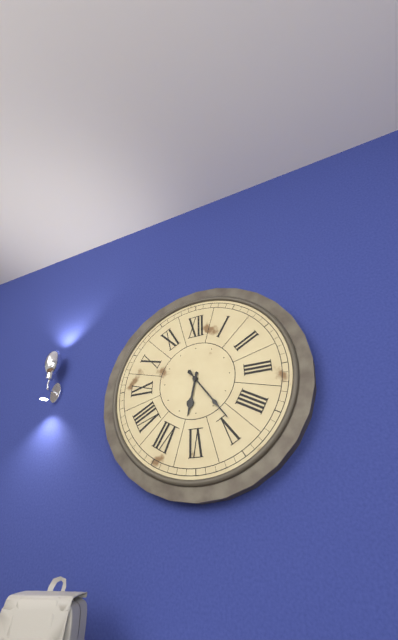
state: 6:24
